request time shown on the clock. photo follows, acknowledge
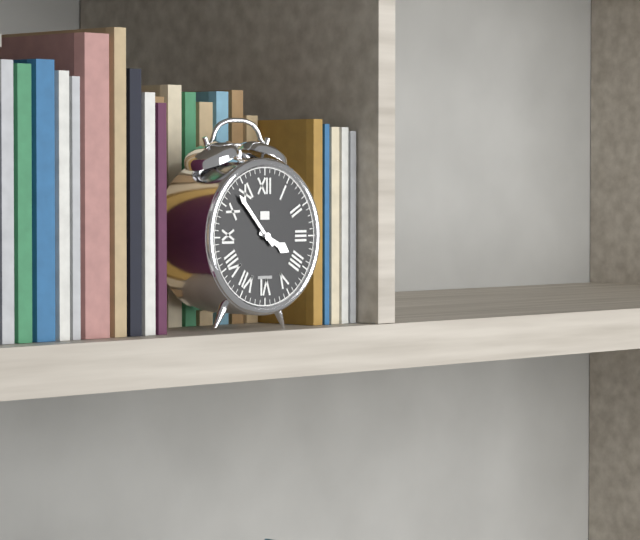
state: 3:53
